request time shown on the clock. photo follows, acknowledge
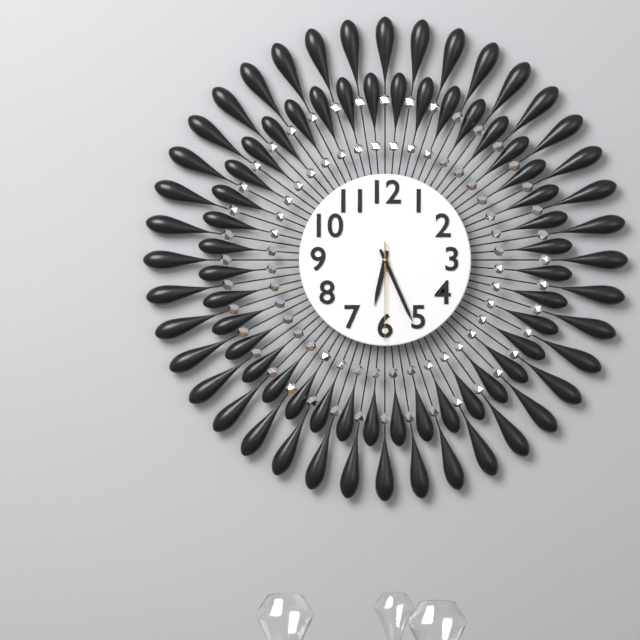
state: 6:26:30
